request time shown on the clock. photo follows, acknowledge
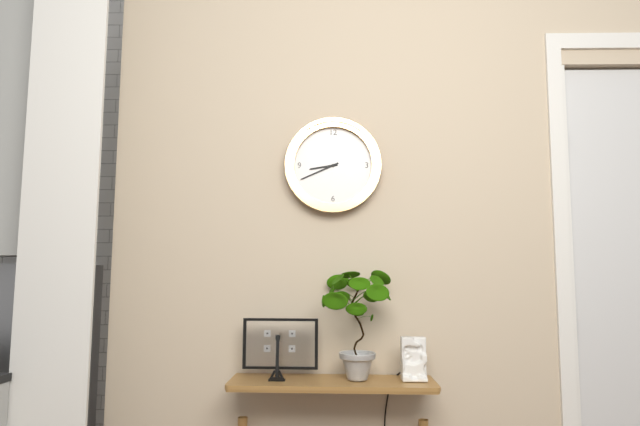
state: 8:41
